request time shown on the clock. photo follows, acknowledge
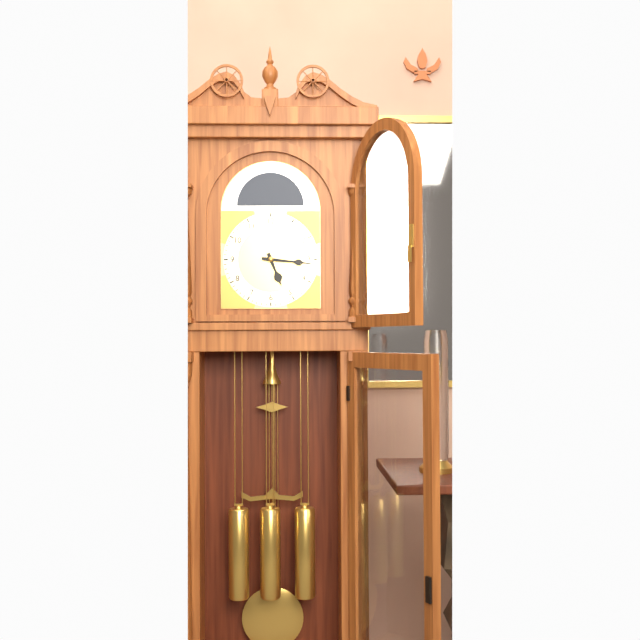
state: 5:16
